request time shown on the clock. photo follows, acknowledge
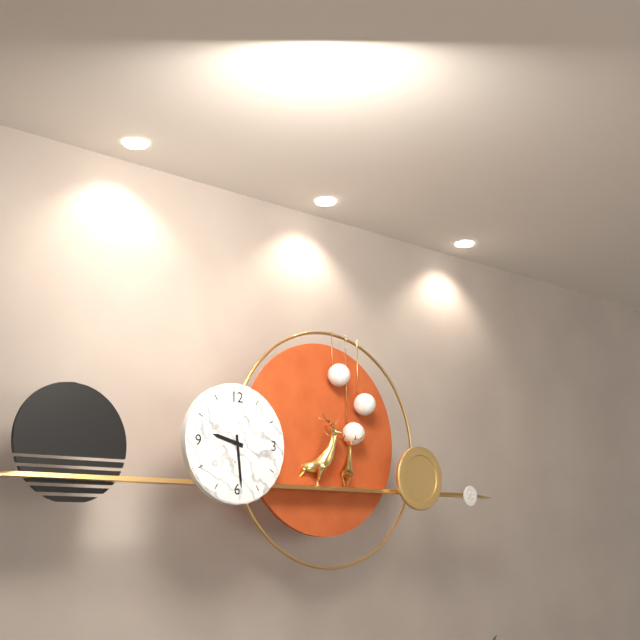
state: 9:29
